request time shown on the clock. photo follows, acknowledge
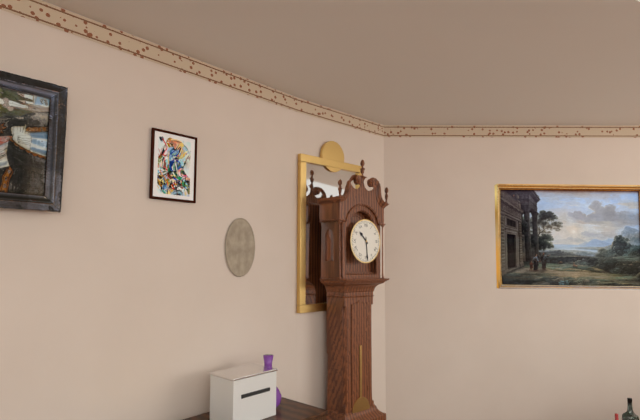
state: 10:29
